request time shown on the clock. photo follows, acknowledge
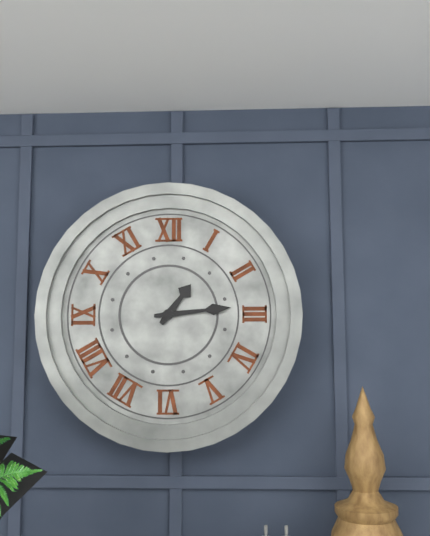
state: 1:14
